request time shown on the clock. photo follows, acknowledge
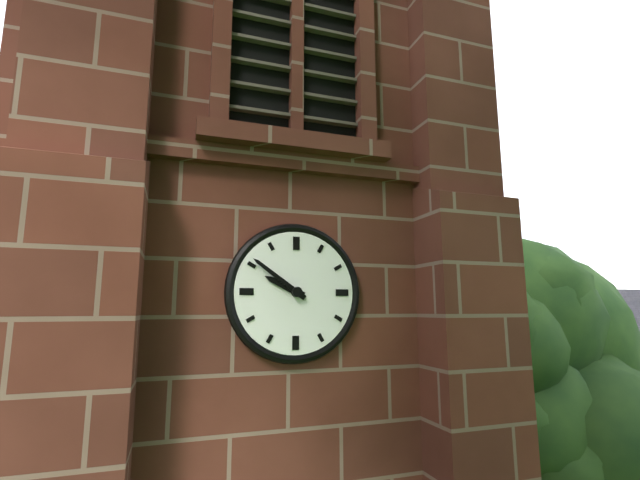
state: 9:51
